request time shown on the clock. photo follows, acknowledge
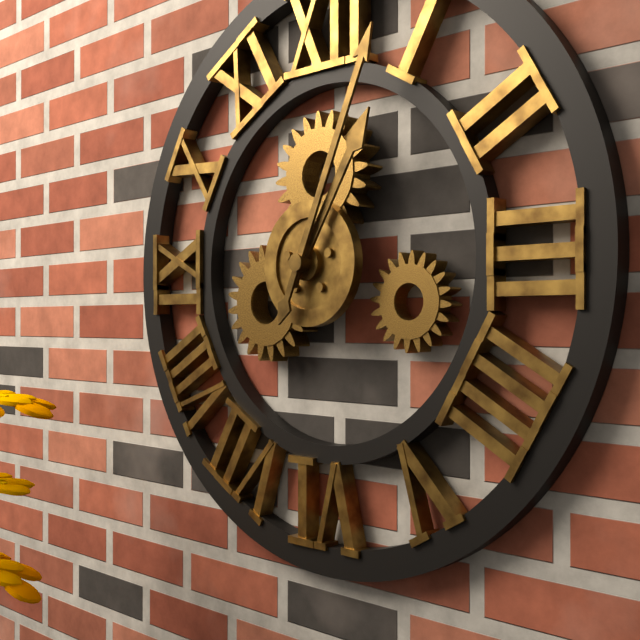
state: 1:04
